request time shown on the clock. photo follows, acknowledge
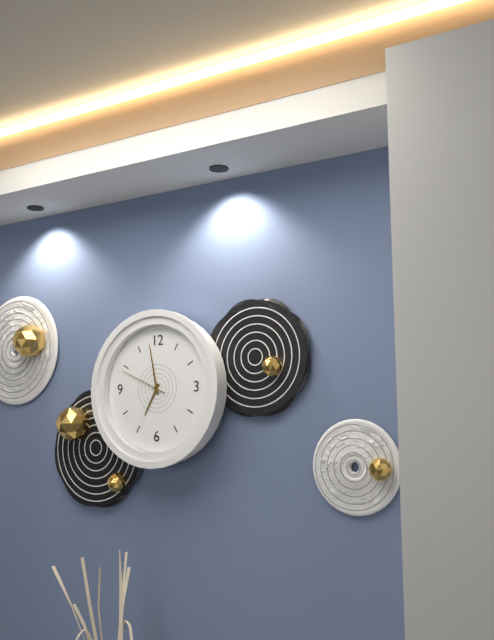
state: 6:58
